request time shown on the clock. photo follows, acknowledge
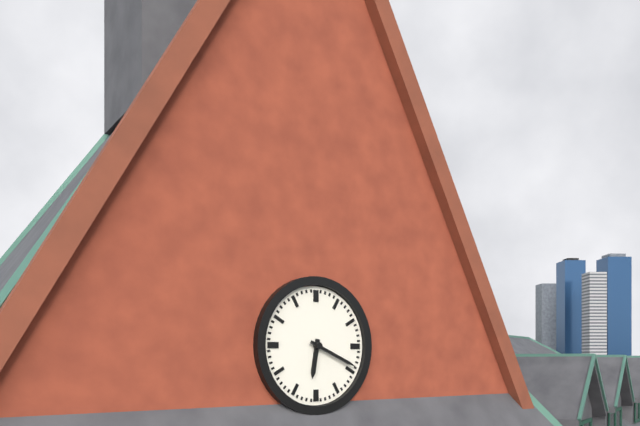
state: 6:19
